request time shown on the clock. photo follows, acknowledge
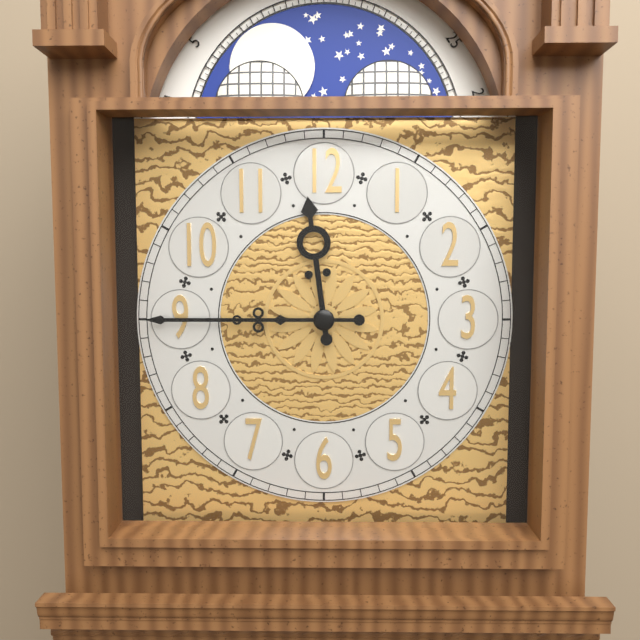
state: 11:45
